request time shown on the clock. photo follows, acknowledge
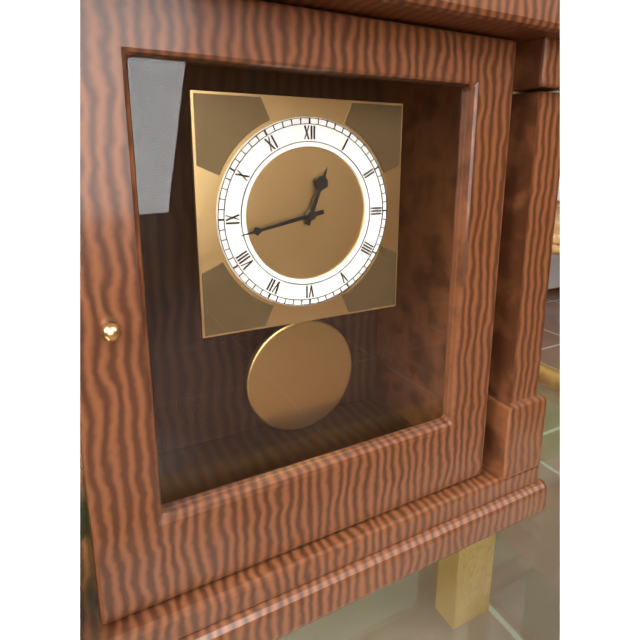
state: 12:43
